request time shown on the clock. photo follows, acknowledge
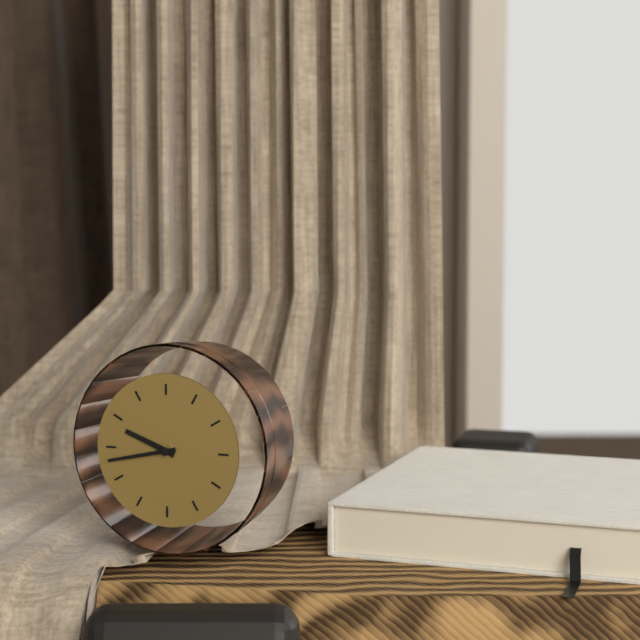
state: 9:43
